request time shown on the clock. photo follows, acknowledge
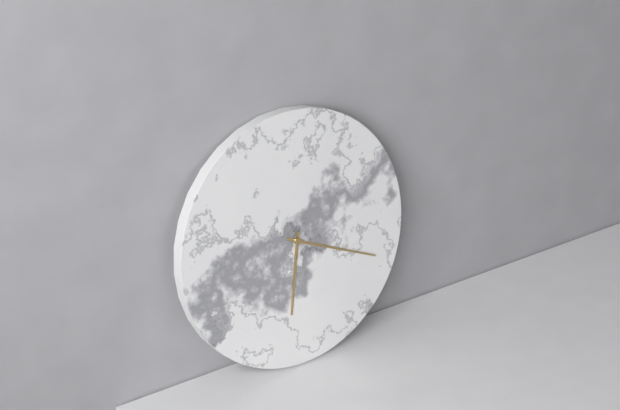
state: 6:19
